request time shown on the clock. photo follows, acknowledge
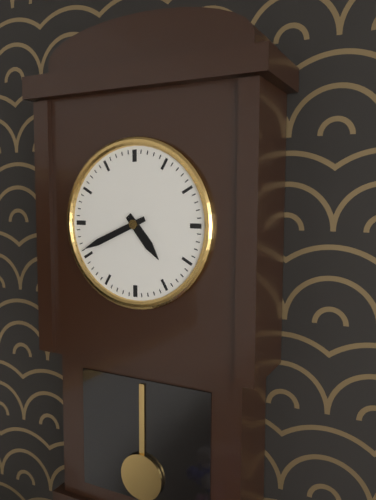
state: 4:41
